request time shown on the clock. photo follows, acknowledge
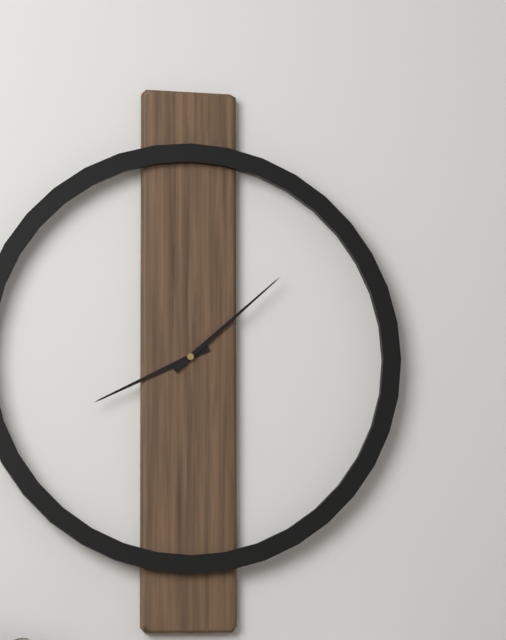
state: 8:08
